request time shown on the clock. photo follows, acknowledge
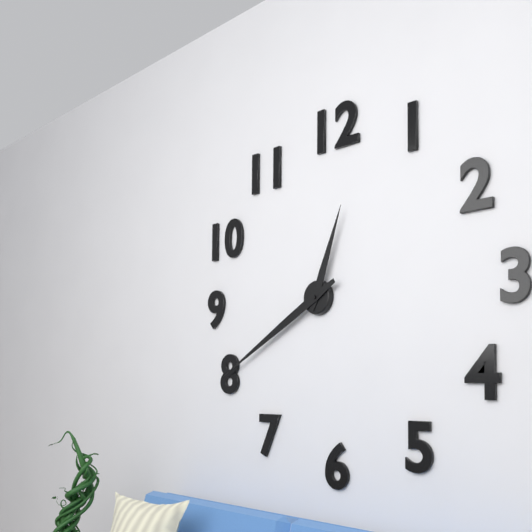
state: 12:40
